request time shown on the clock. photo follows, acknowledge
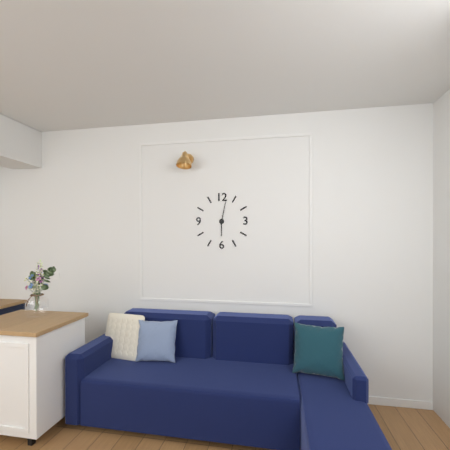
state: 6:02
